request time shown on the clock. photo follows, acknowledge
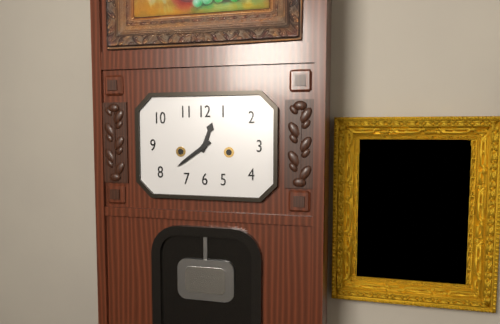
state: 12:39
